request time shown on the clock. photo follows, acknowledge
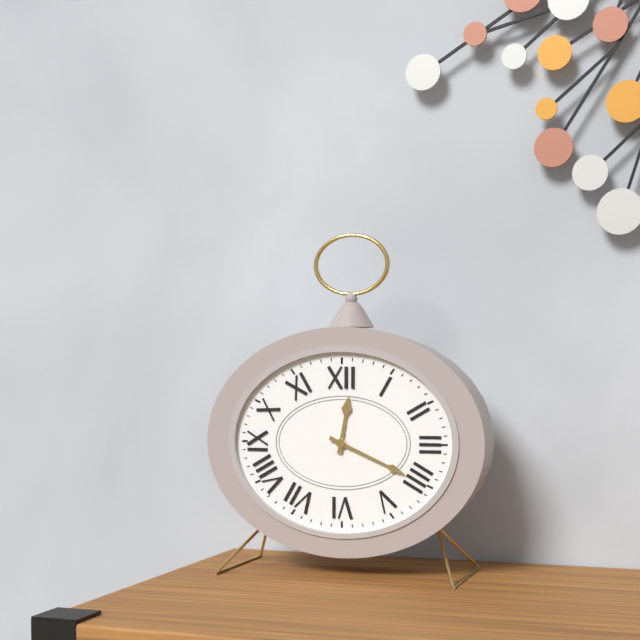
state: 12:19
